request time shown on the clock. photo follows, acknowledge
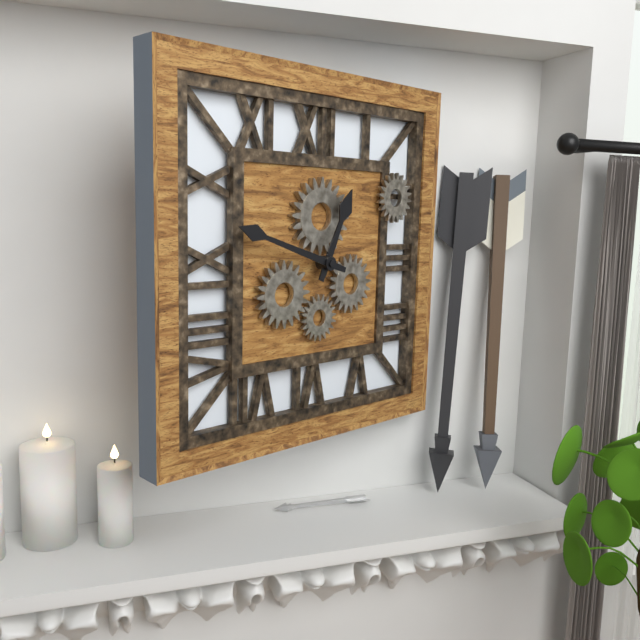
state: 12:48
